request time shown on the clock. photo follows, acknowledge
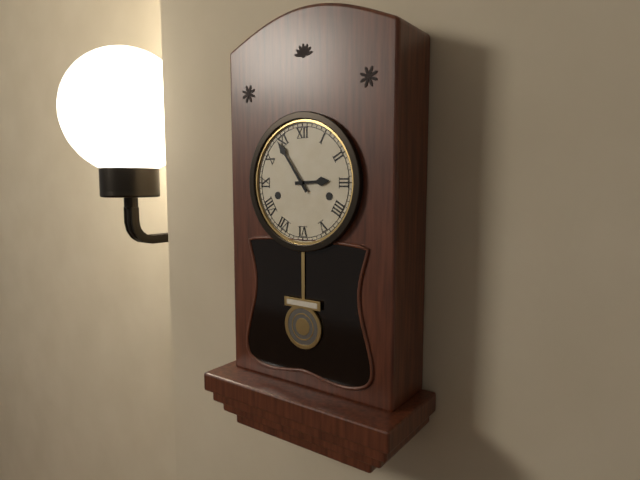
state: 2:54
